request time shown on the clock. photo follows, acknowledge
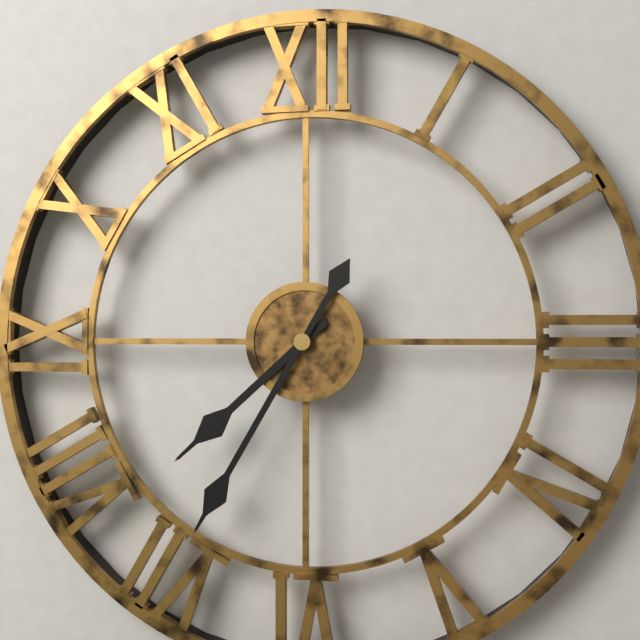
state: 7:35
